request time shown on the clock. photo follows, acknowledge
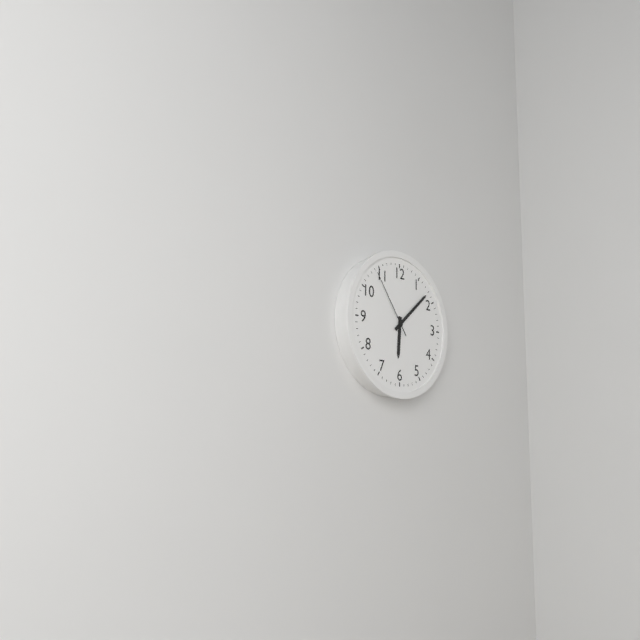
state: 6:08:54
